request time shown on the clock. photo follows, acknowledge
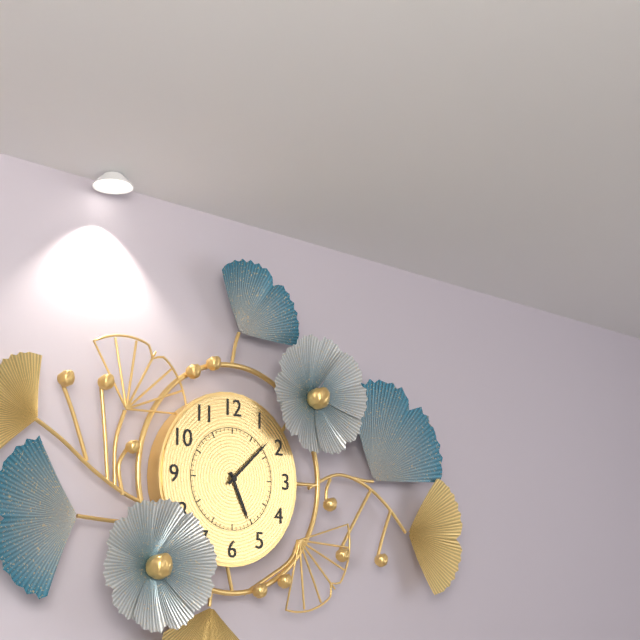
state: 5:08
